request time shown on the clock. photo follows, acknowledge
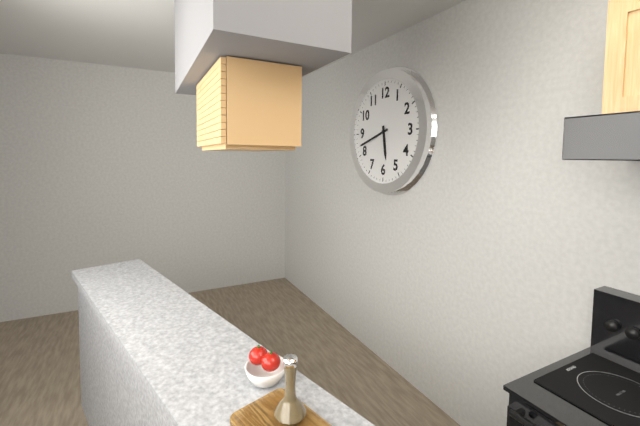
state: 5:42
